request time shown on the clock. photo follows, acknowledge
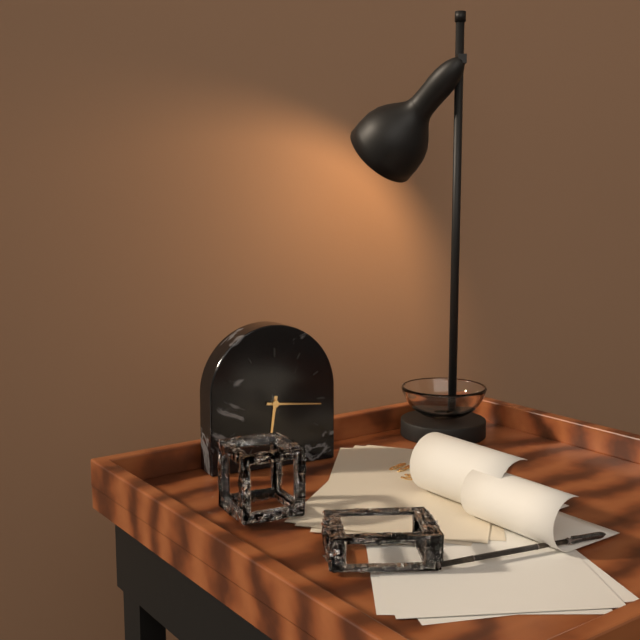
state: 6:16
